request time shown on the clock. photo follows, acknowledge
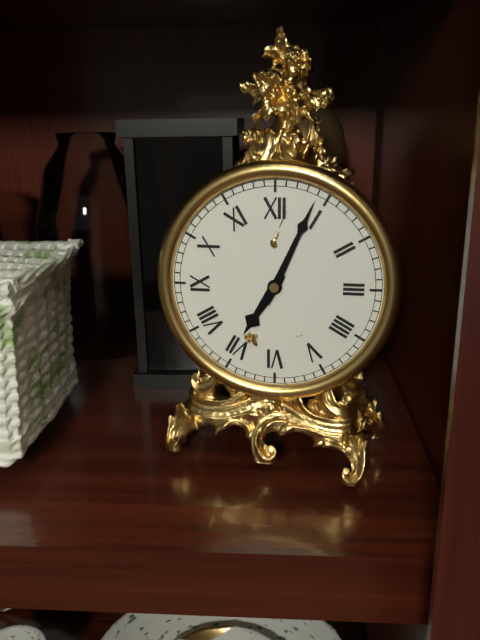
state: 7:04
